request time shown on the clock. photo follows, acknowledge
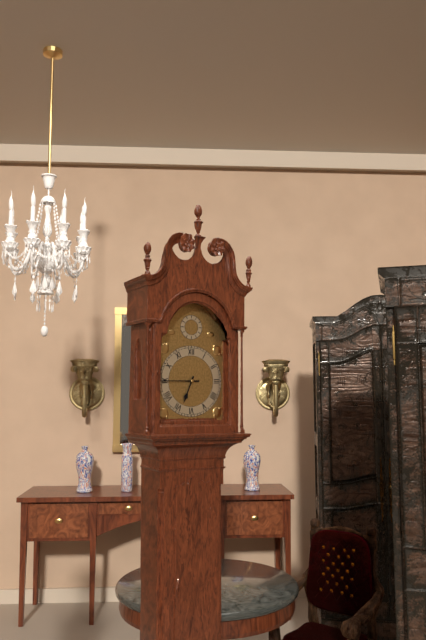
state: 6:45
